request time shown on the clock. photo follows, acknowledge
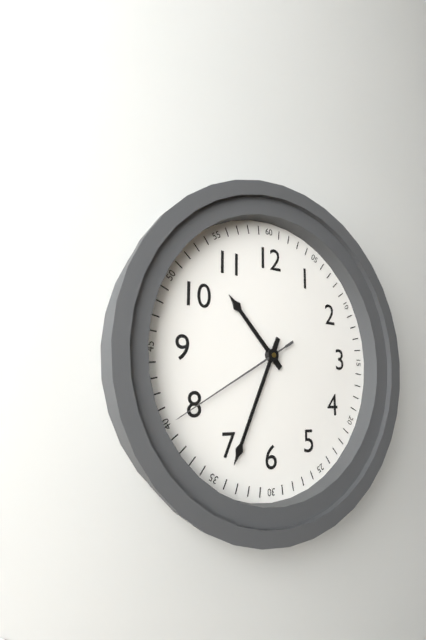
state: 10:34:40
